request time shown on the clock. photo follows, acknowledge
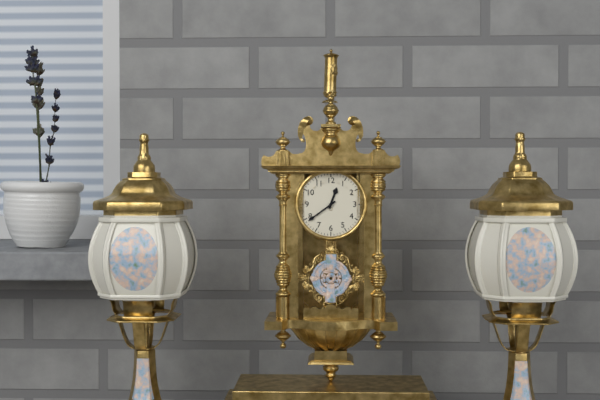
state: 12:39
